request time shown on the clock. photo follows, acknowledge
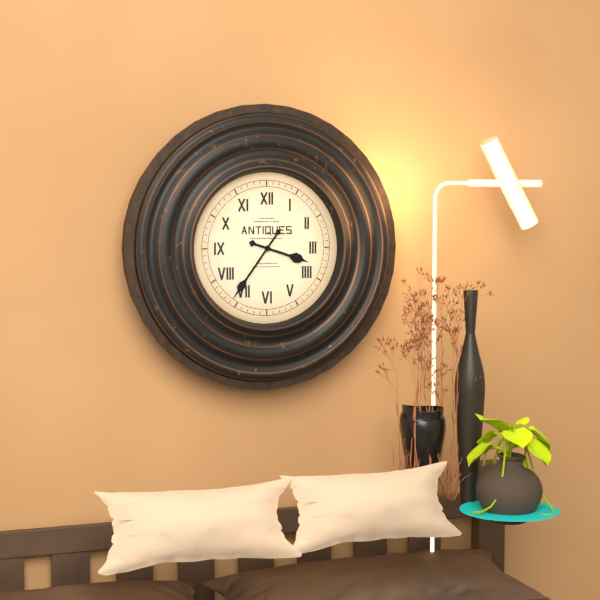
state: 3:36
